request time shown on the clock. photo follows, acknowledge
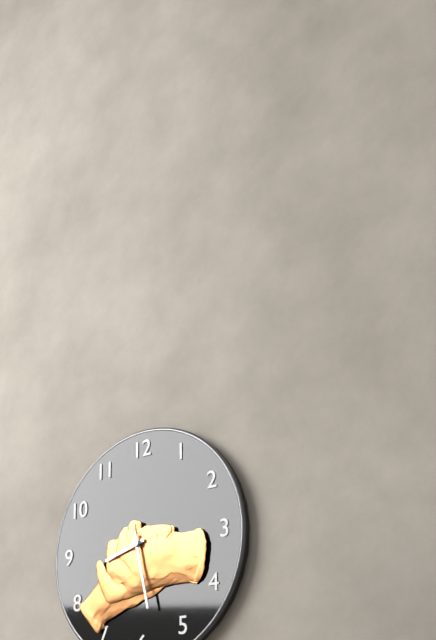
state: 8:28
